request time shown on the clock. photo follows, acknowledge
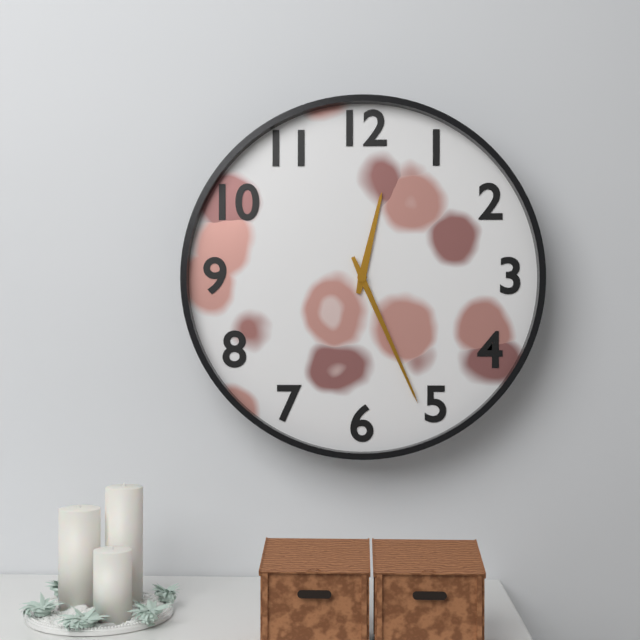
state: 12:26
